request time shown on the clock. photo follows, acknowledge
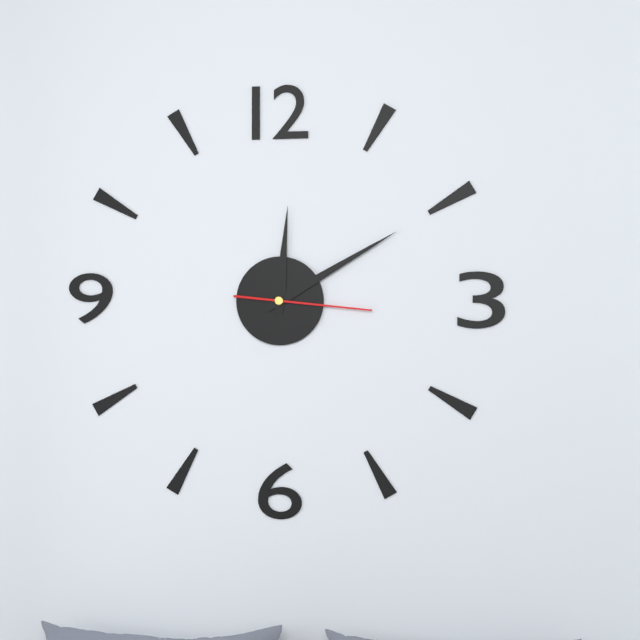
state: 12:10:16
